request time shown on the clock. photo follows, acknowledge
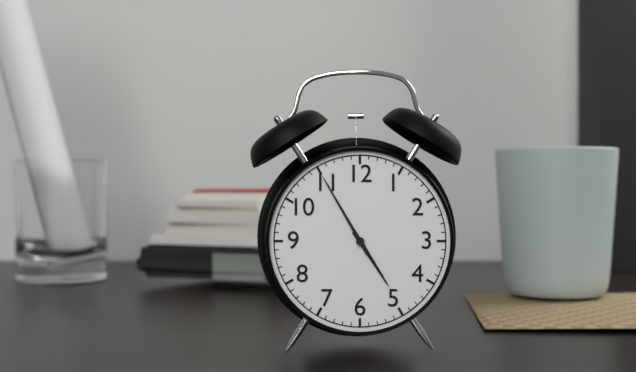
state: 4:55
